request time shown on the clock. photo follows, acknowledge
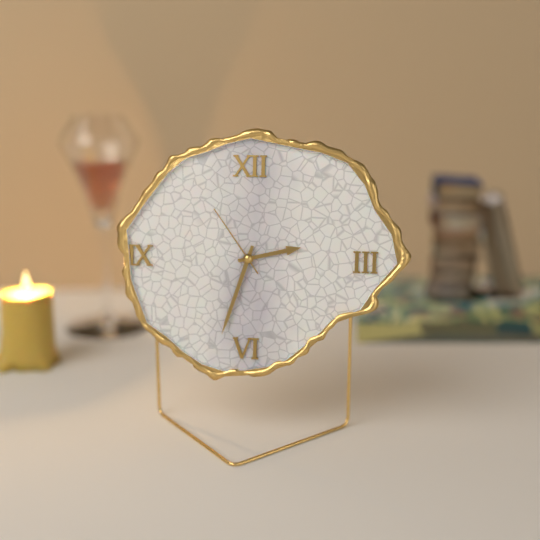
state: 2:33:54
